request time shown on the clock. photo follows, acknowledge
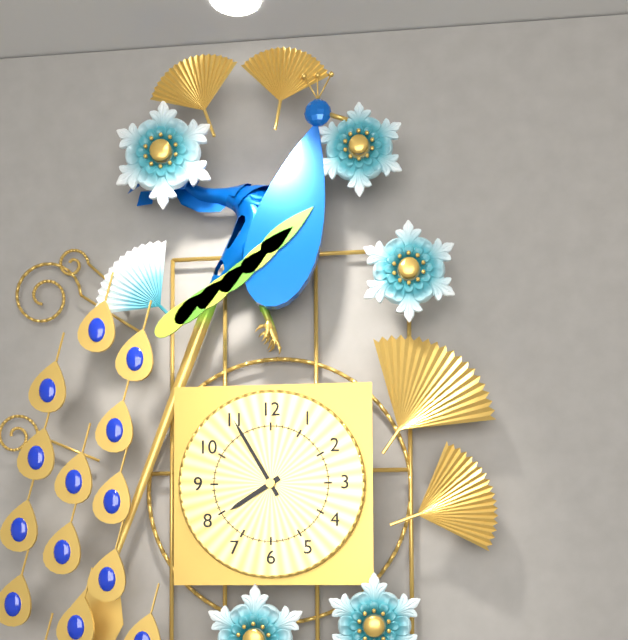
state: 7:55
